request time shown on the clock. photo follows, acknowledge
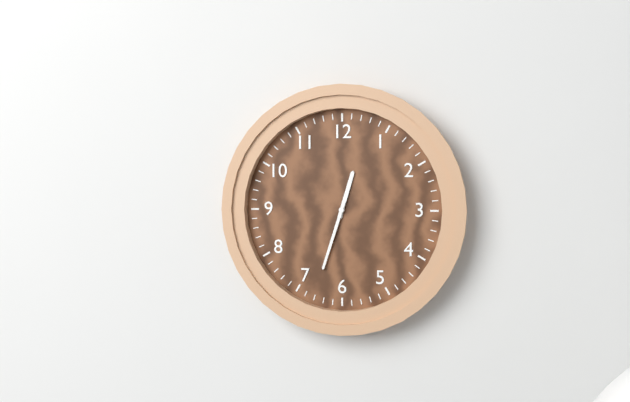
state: 12:33
